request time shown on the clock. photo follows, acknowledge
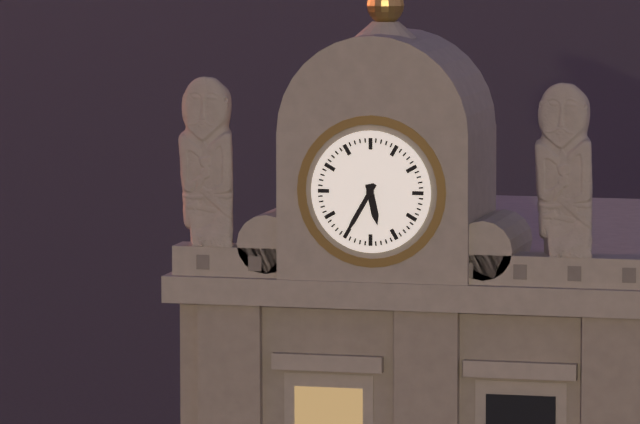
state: 5:35
